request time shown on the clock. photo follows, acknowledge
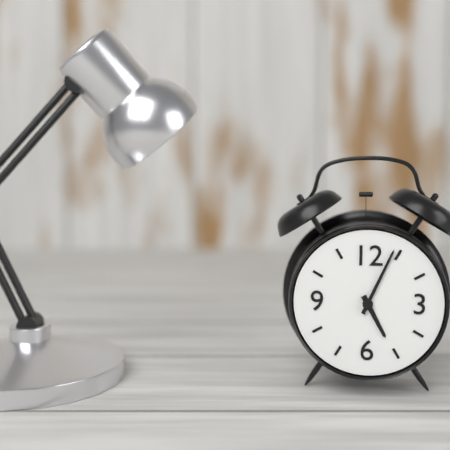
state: 5:04
